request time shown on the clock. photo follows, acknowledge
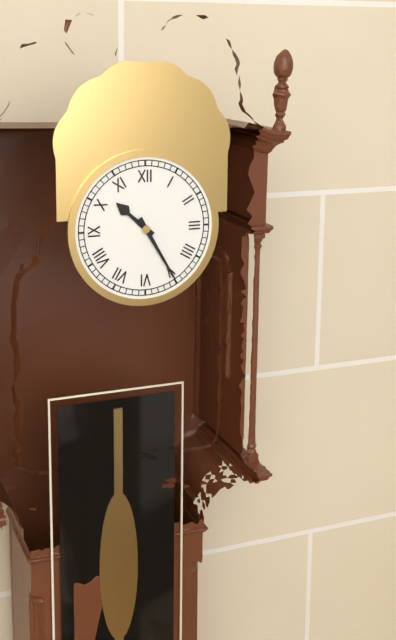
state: 10:25
